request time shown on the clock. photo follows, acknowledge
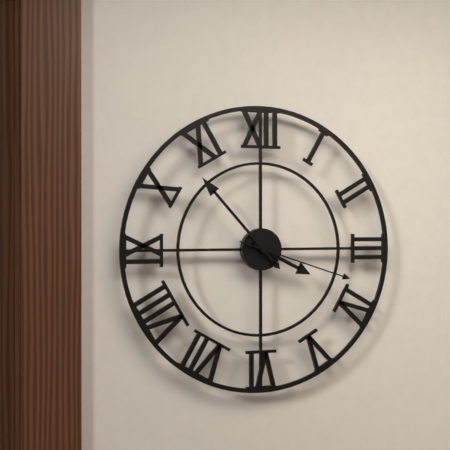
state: 3:53:18
